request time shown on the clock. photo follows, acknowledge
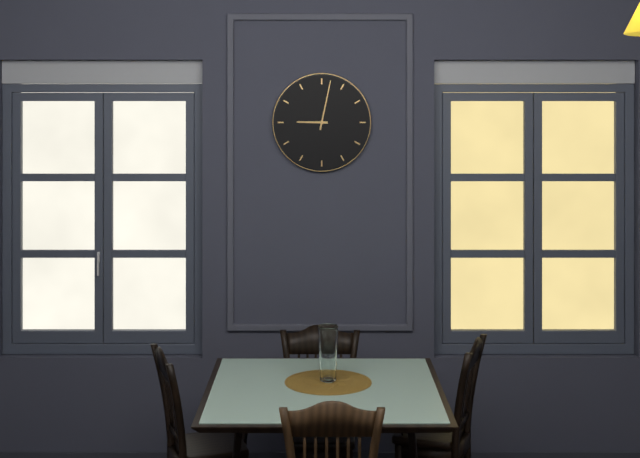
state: 9:02
